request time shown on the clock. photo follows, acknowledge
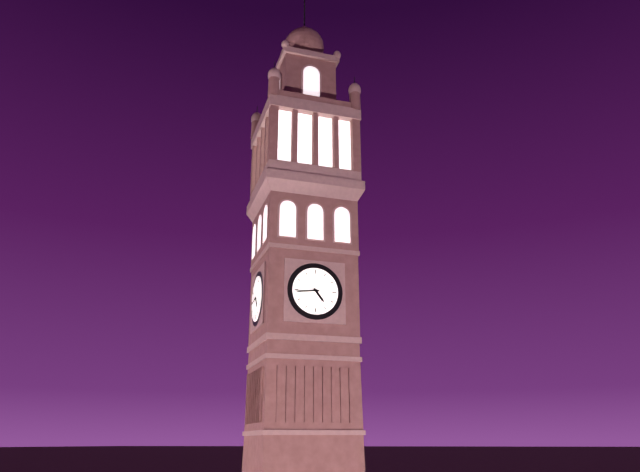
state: 4:44
